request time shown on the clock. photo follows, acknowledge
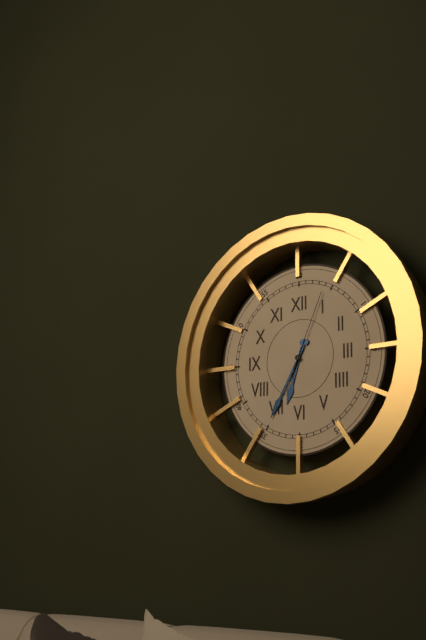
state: 6:35:04
